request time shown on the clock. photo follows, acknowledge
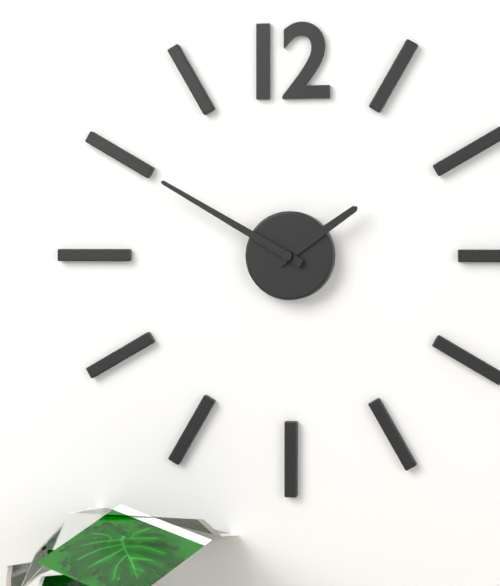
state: 1:50
